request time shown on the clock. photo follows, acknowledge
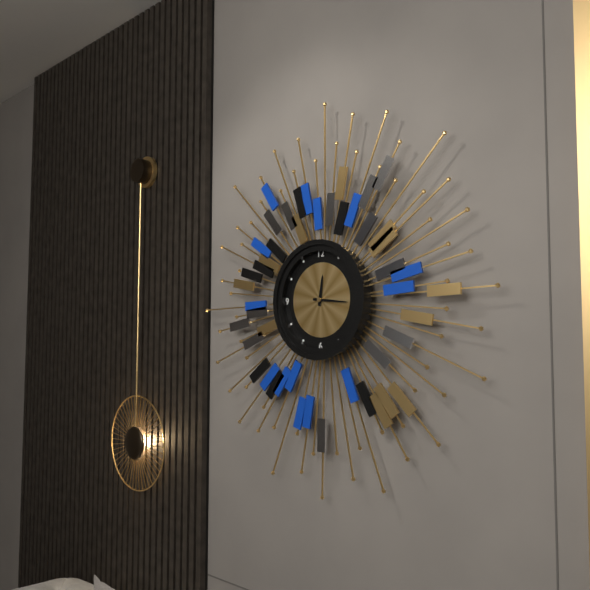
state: 12:16
